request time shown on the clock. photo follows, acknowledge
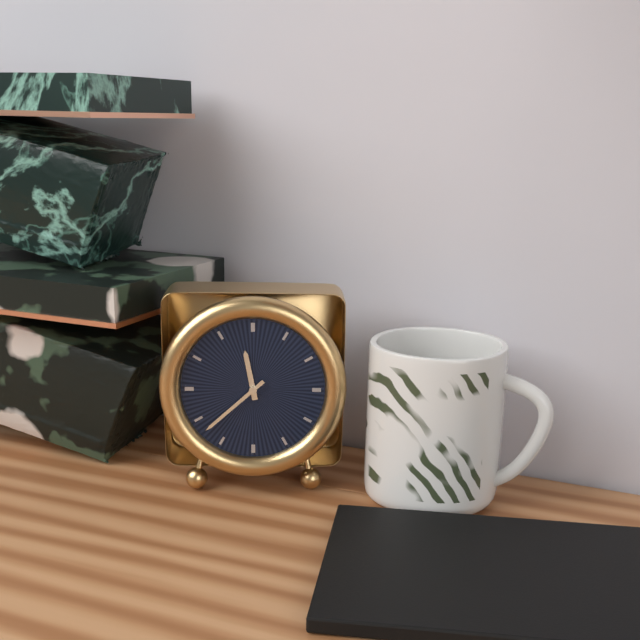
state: 11:38
